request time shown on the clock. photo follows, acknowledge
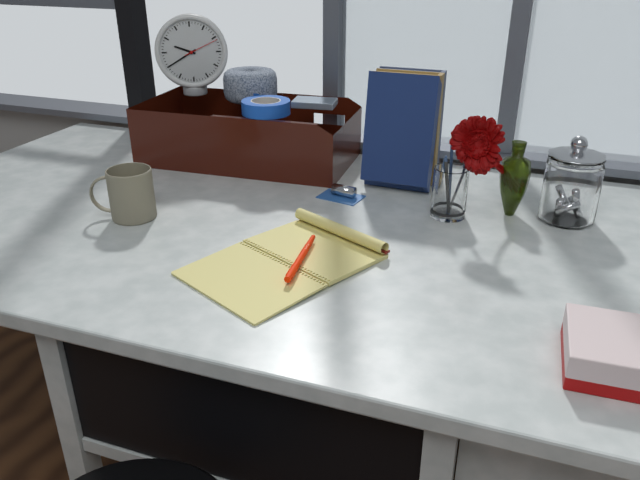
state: 9:40
